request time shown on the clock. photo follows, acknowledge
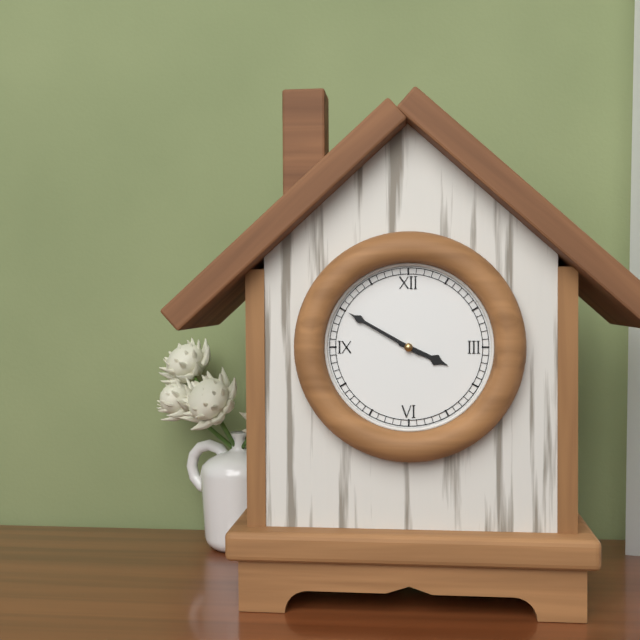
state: 3:50
